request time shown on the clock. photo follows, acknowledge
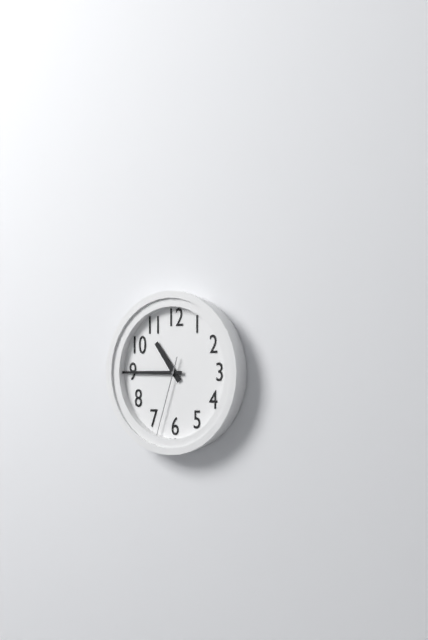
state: 10:45:33
